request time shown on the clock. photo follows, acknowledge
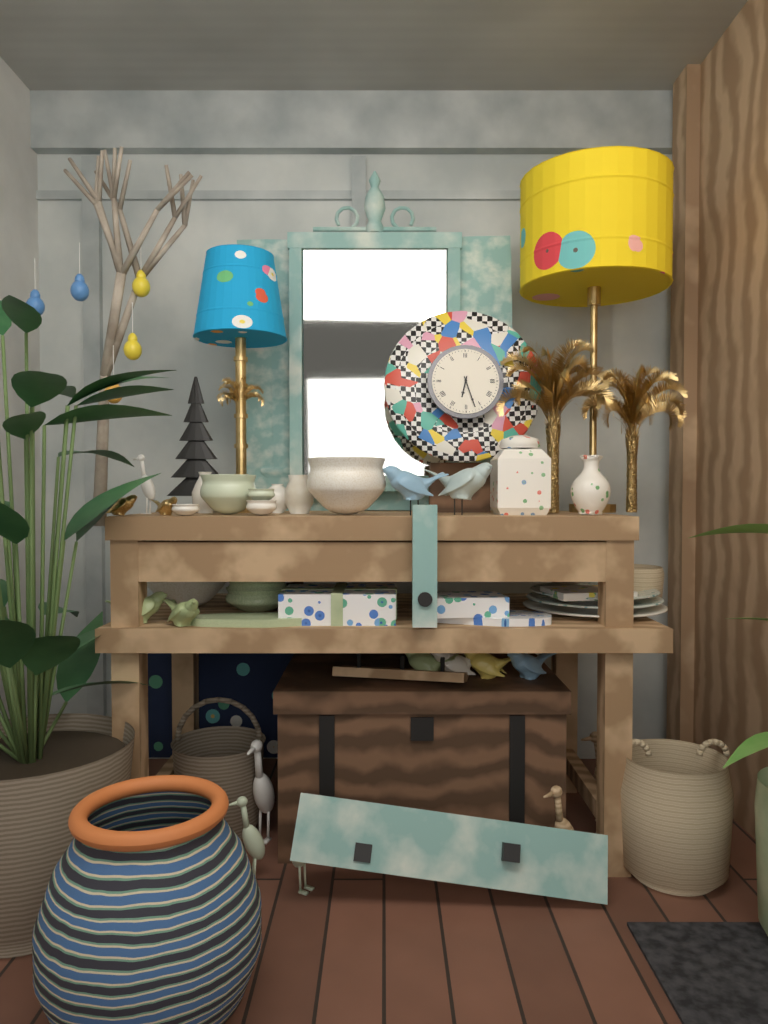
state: 6:27
